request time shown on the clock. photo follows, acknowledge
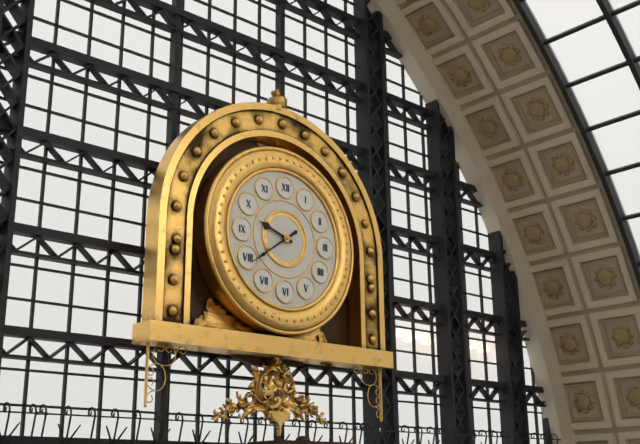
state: 9:39
